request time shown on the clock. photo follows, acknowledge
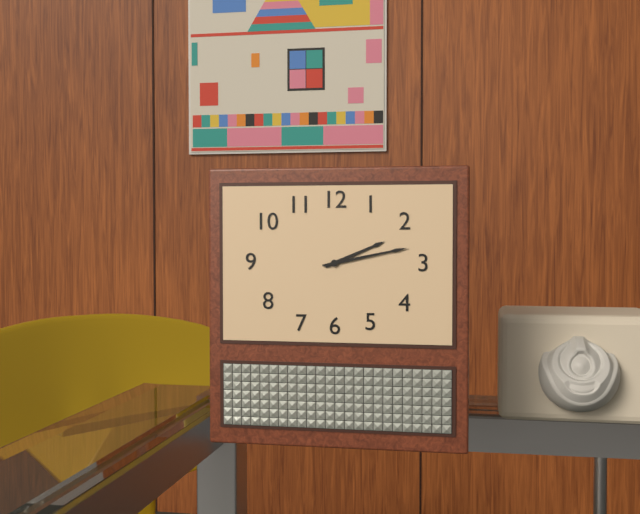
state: 2:13
